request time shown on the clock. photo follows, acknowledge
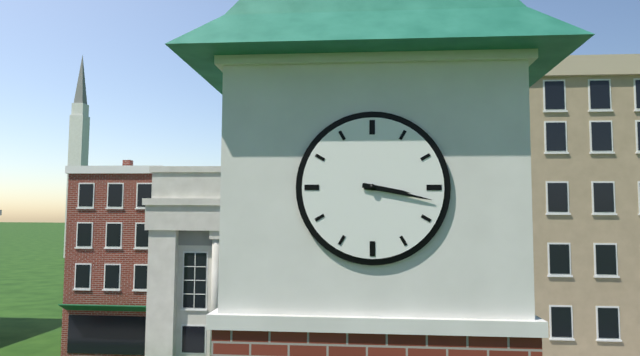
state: 3:17
